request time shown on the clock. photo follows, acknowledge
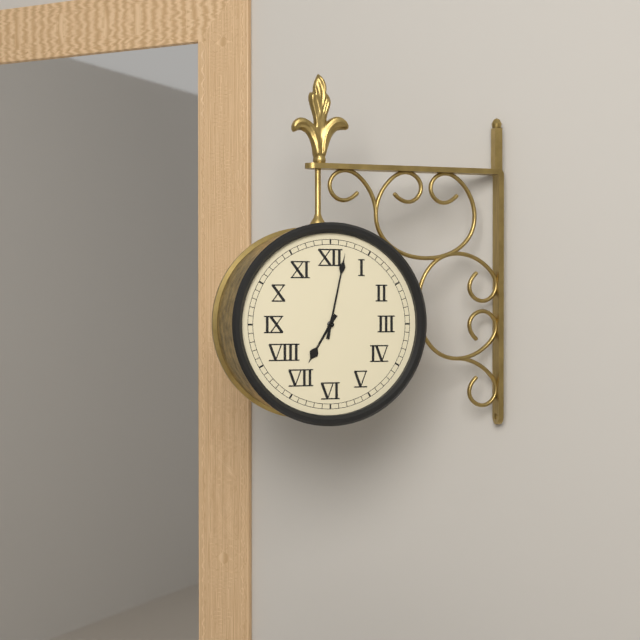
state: 7:02
